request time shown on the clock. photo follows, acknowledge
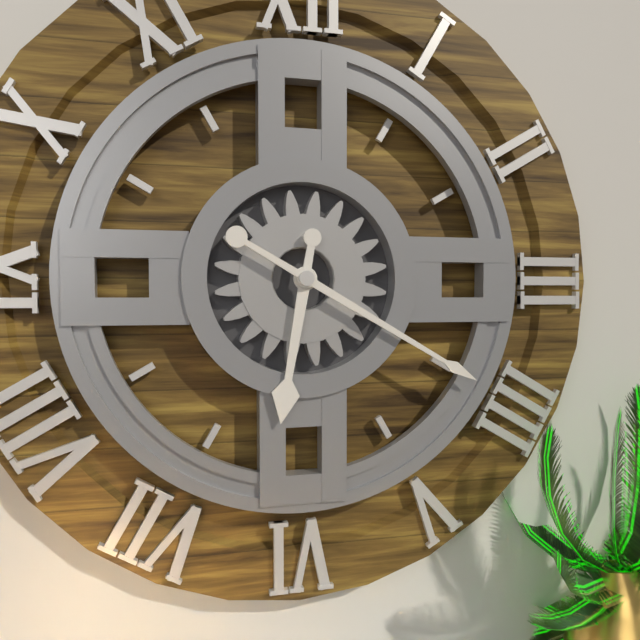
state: 6:20
